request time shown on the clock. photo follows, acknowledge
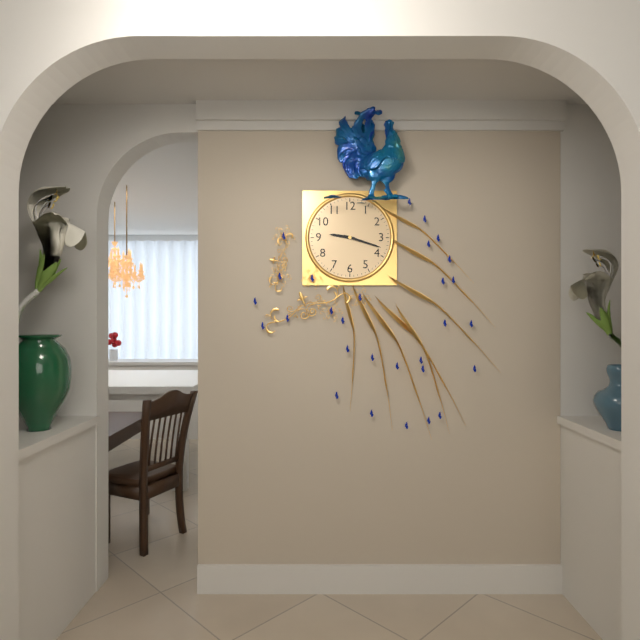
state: 9:18
